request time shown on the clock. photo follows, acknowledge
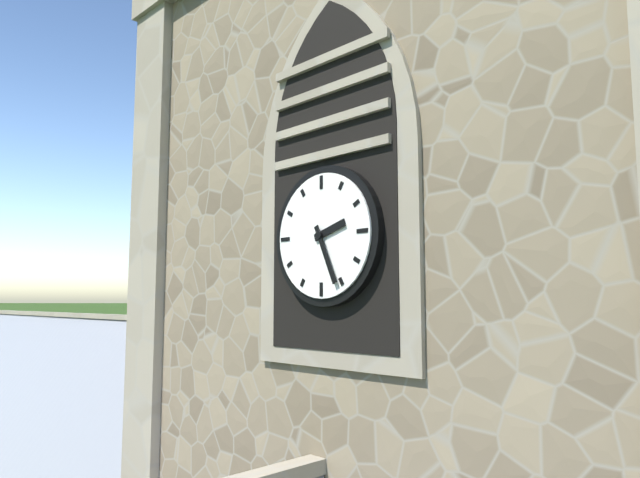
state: 2:26
